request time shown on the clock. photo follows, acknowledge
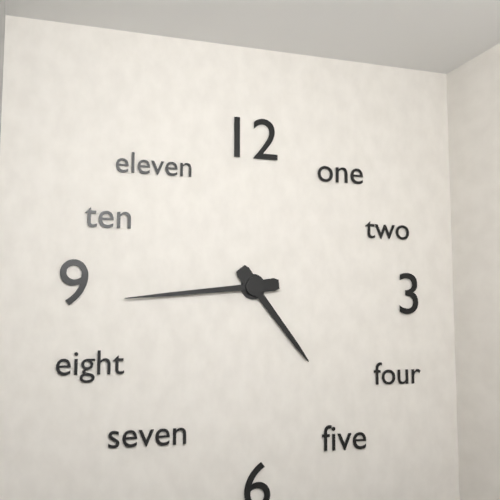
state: 4:44
